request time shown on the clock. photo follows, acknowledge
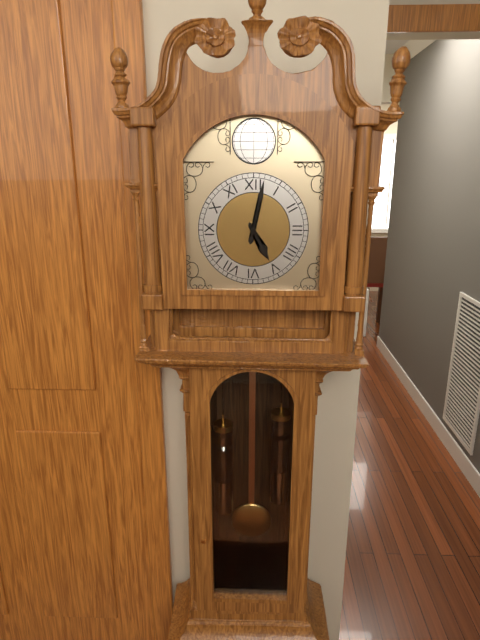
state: 5:02
